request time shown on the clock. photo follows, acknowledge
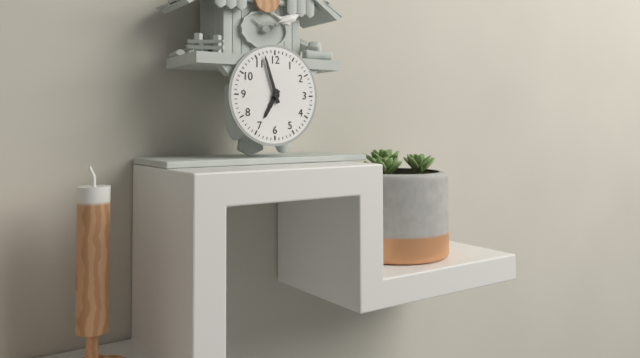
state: 6:57
